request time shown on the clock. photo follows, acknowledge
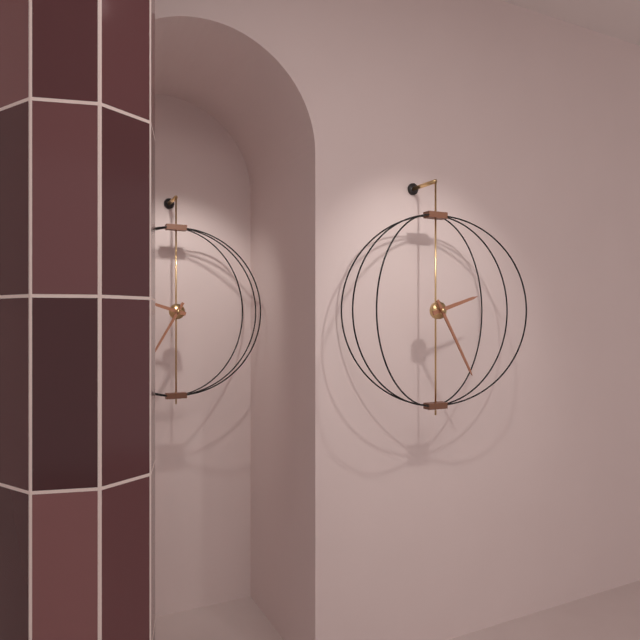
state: 2:25
